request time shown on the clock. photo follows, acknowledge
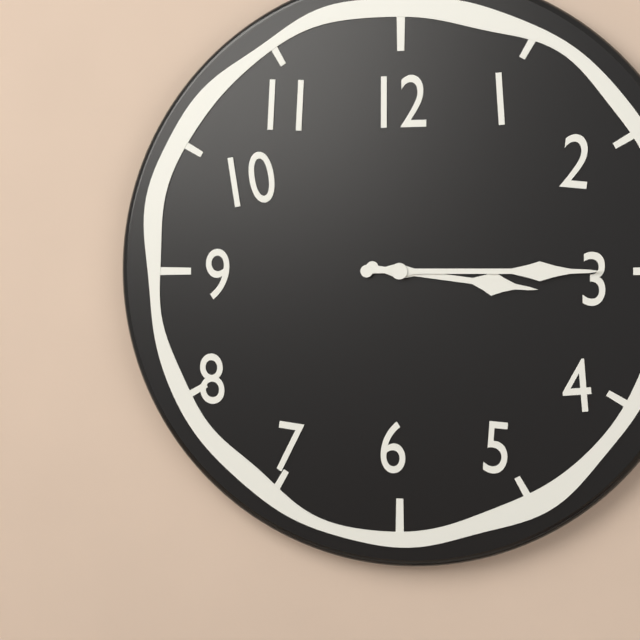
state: 3:15
